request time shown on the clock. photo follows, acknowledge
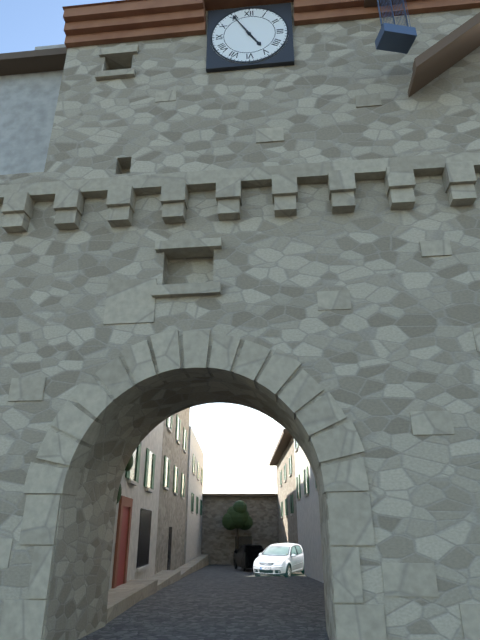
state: 4:55
